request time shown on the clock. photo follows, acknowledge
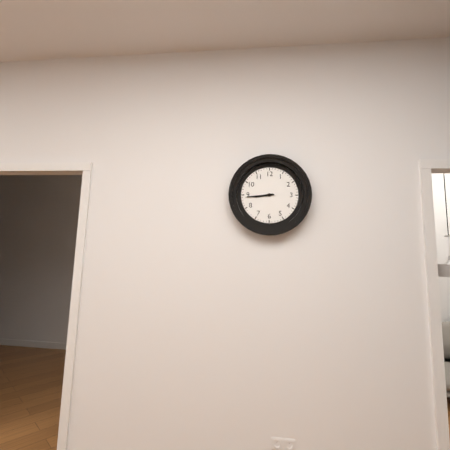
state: 8:44
